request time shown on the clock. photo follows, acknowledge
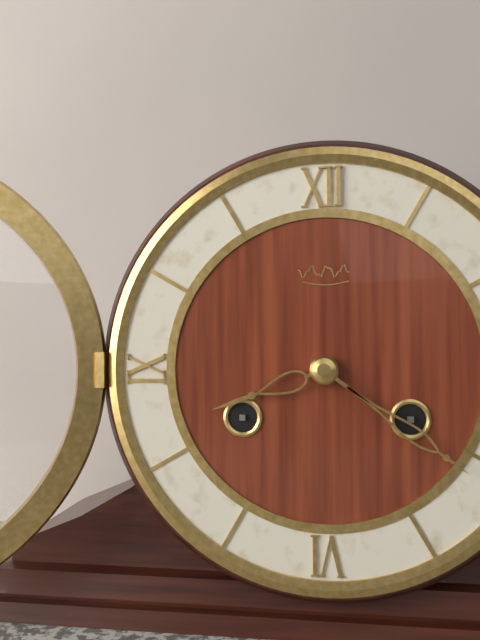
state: 8:21
